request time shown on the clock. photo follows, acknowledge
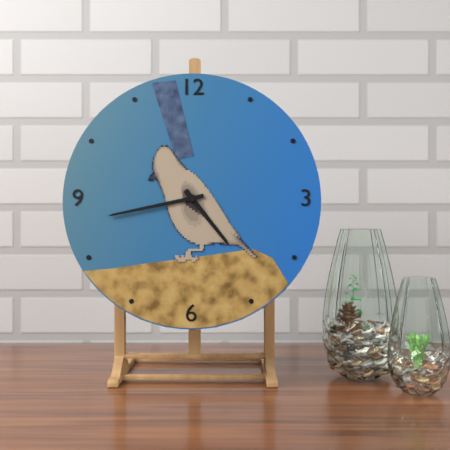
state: 4:43
